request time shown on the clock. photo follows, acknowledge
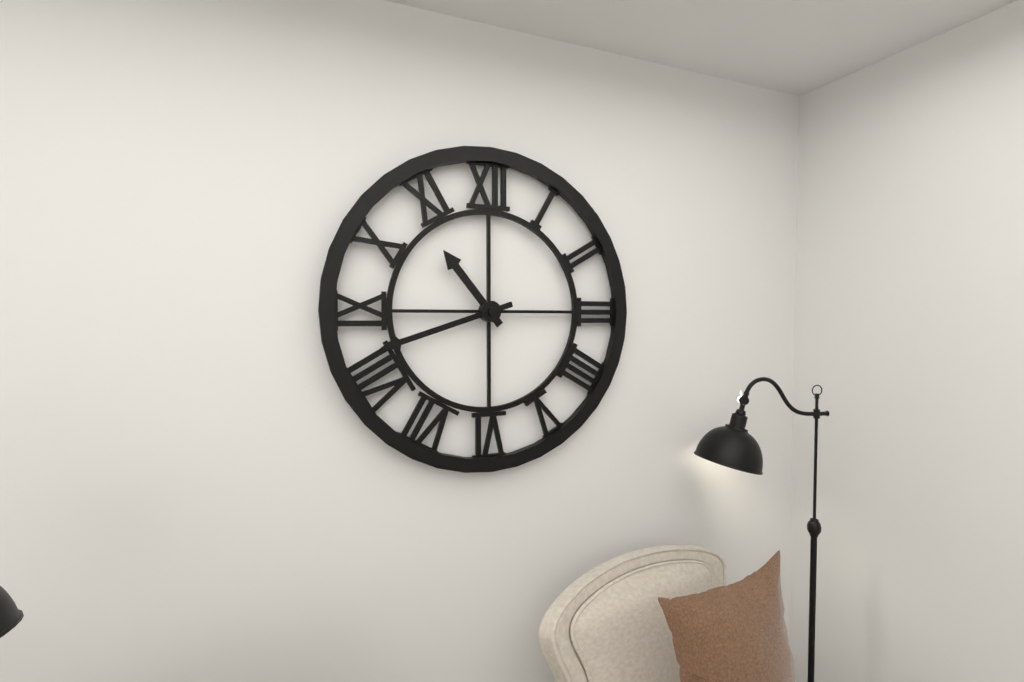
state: 10:42
